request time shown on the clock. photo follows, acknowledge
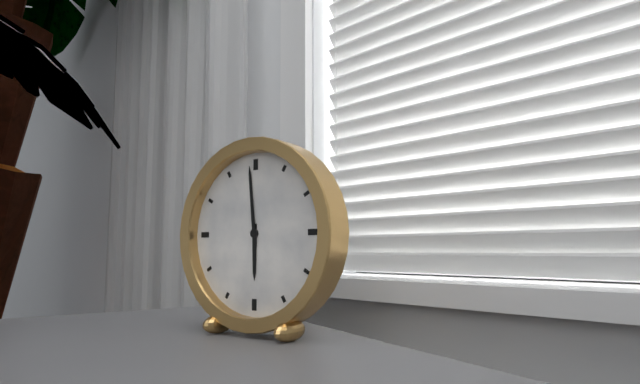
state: 5:59
